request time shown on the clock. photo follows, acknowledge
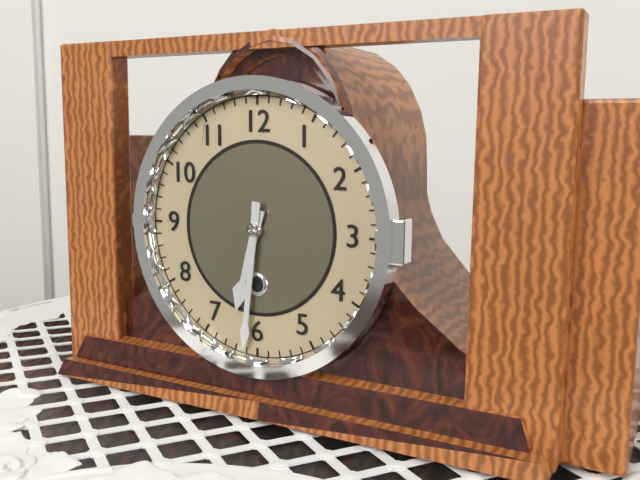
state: 6:31
